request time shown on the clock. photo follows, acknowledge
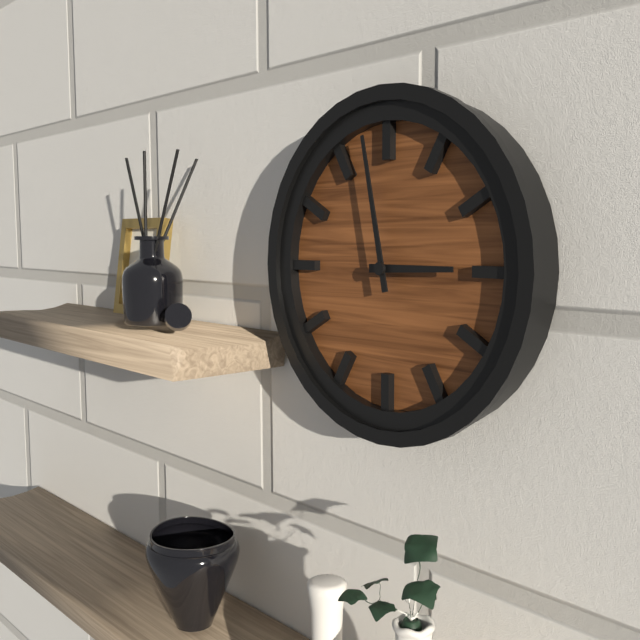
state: 2:58
